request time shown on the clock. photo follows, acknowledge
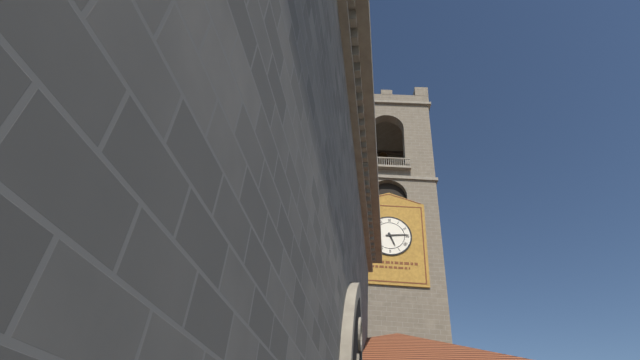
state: 5:14
